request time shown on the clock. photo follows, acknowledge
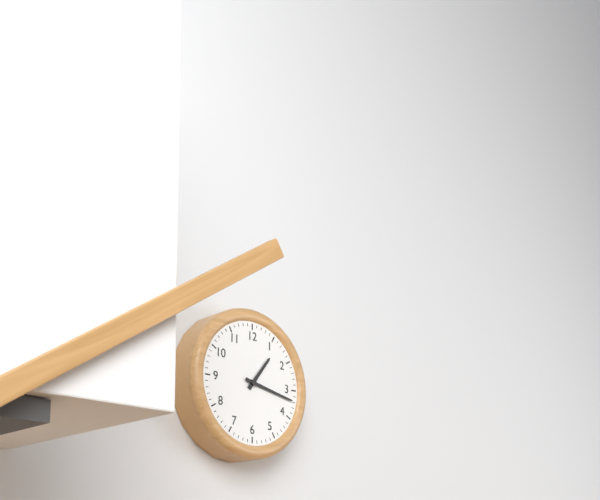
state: 1:17
